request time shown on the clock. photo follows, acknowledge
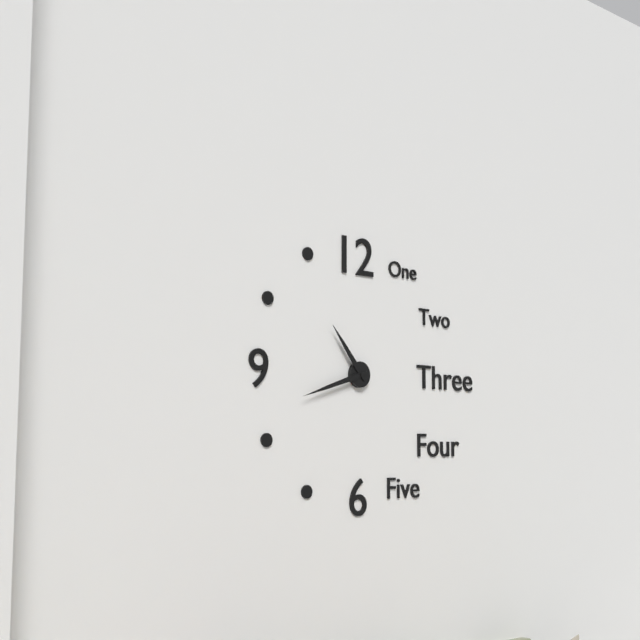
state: 10:42
